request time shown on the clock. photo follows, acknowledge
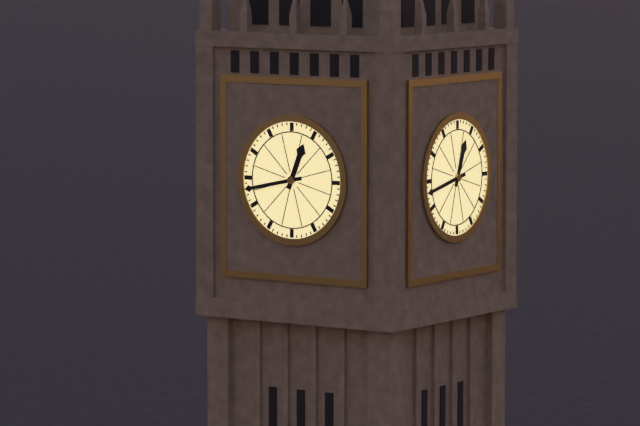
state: 12:43
